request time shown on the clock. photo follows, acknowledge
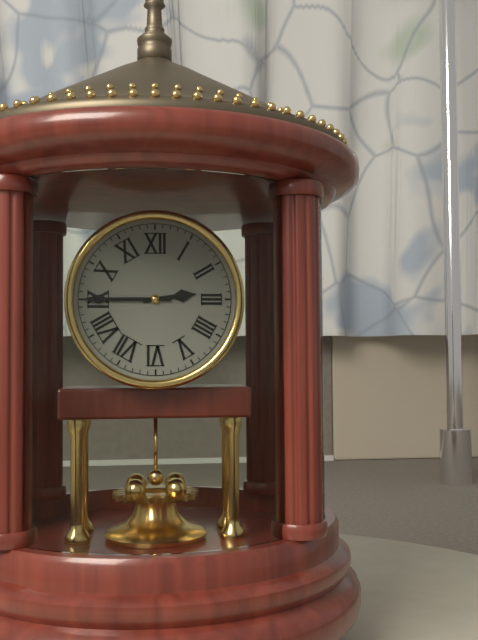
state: 2:45
